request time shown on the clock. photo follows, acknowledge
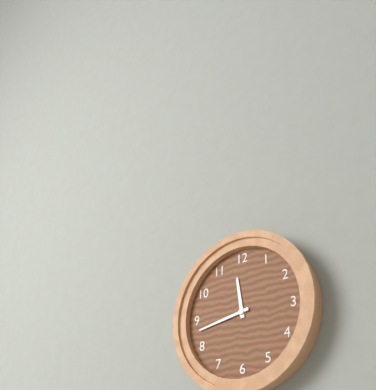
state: 11:43
